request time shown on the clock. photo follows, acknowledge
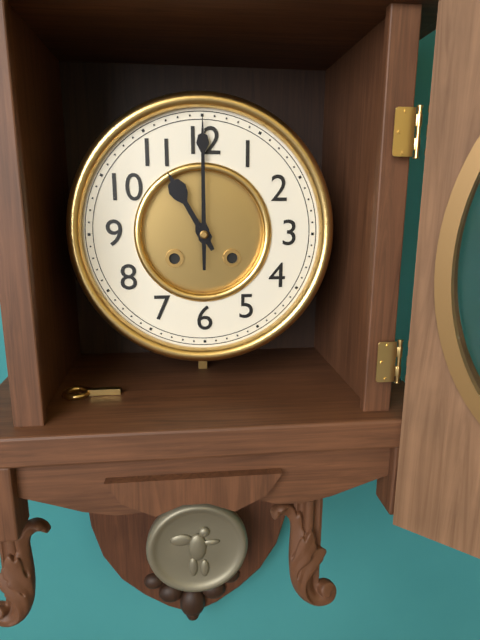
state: 11:00
